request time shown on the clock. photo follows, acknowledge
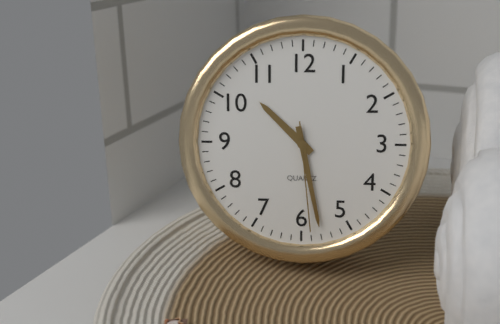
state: 10:28:29
